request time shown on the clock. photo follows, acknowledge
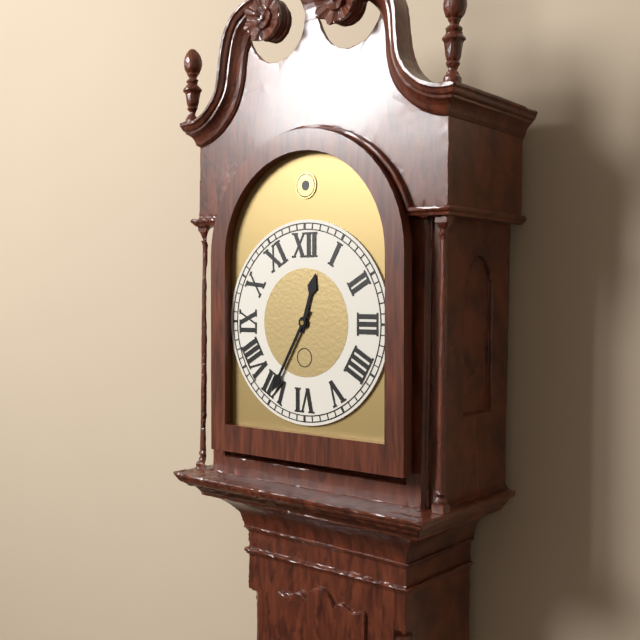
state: 12:35
